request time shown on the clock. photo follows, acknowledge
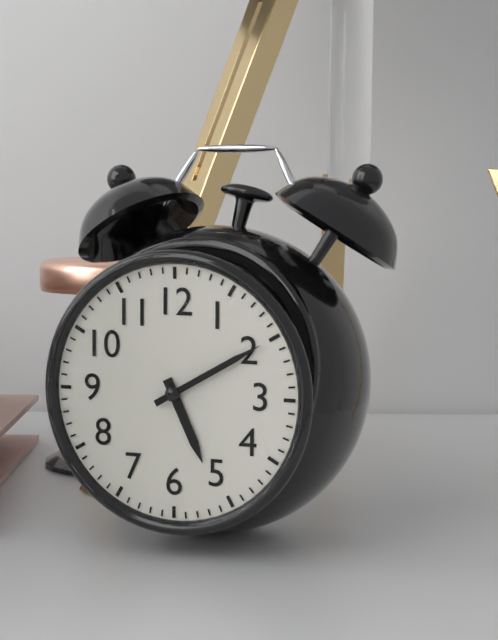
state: 5:10
